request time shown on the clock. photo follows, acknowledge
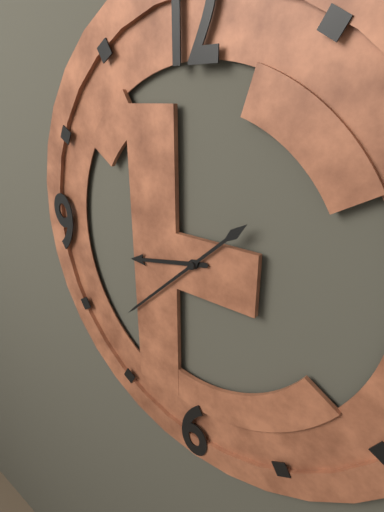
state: 8:38
